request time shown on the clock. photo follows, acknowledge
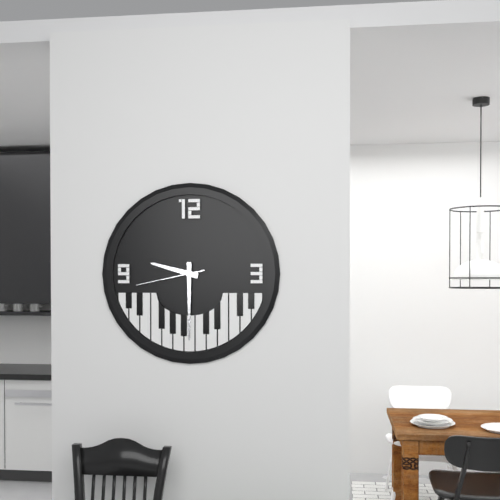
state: 9:30:43
